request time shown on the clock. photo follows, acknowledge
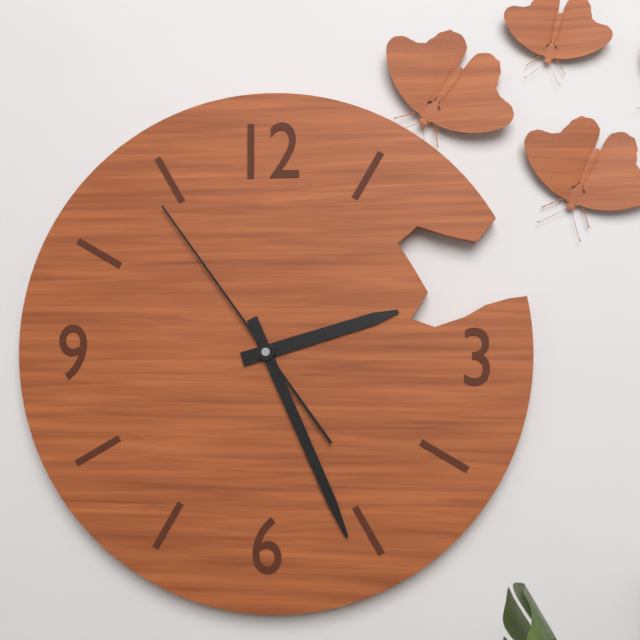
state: 2:26:54
